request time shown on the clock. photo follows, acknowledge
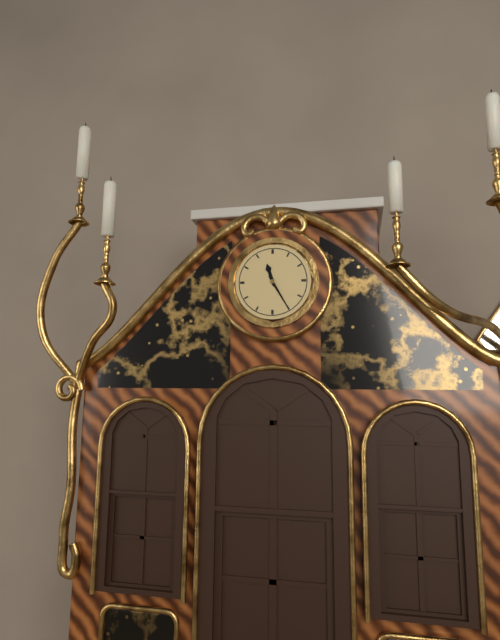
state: 11:25
